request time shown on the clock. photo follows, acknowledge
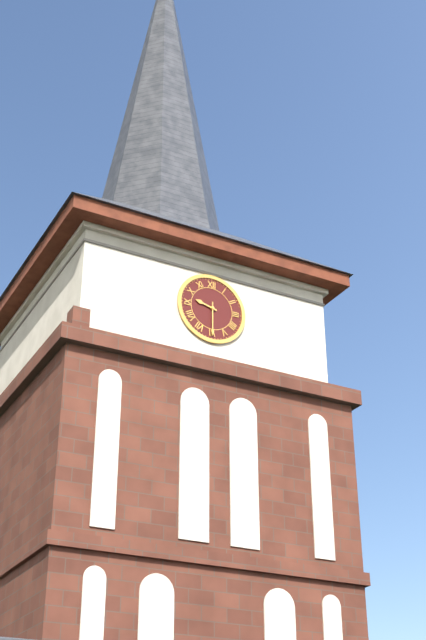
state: 9:30
